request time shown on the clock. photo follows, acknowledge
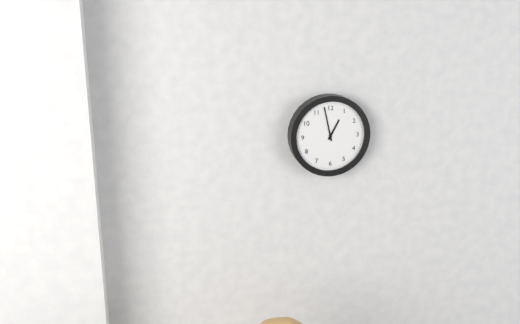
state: 12:58
